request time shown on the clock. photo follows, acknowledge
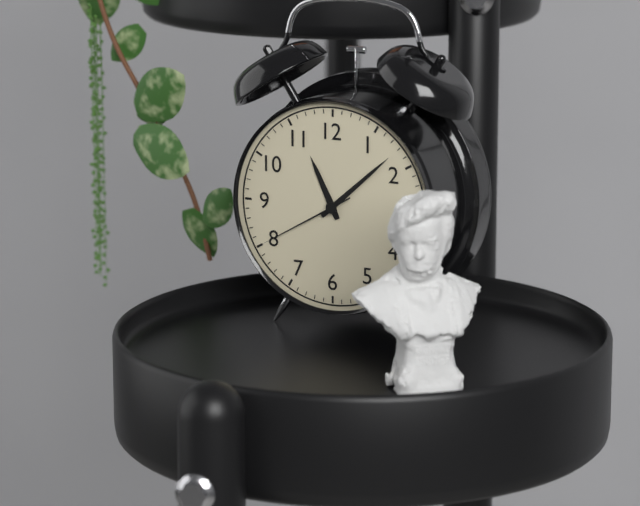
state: 11:08:40
